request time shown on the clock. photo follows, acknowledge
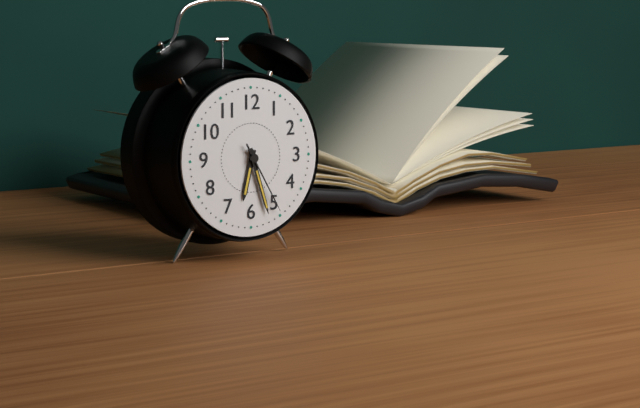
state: 6:27:25
